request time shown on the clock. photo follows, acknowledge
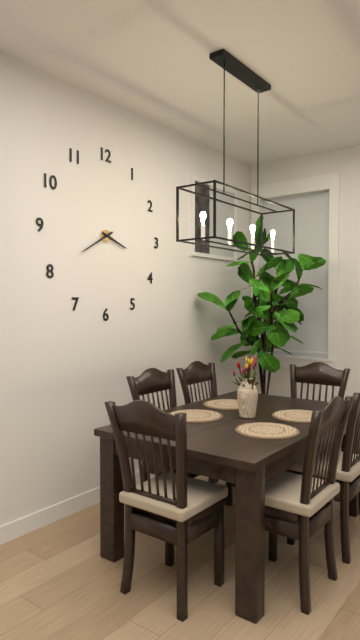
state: 3:40
